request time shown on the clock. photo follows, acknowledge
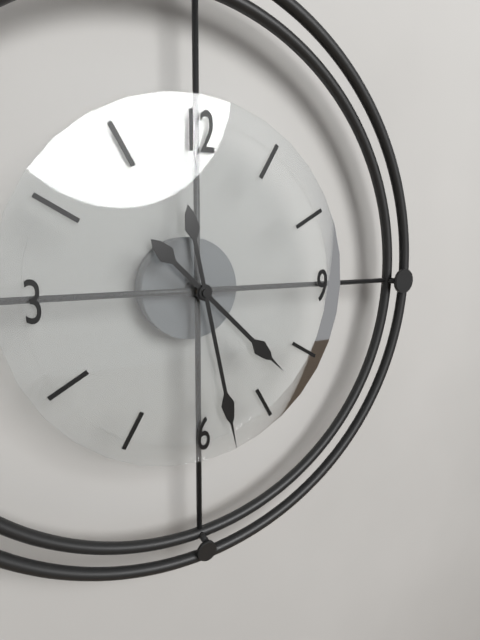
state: 4:28
